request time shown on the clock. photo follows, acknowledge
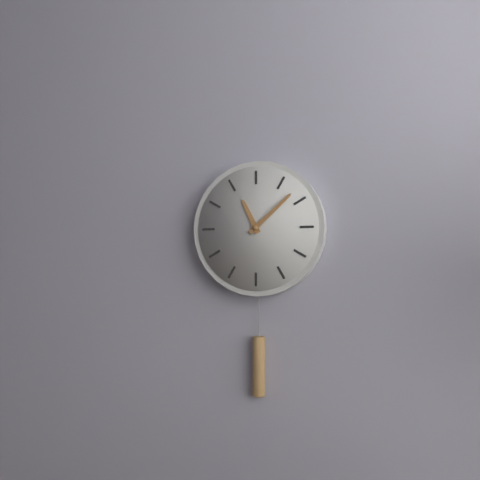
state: 11:08
